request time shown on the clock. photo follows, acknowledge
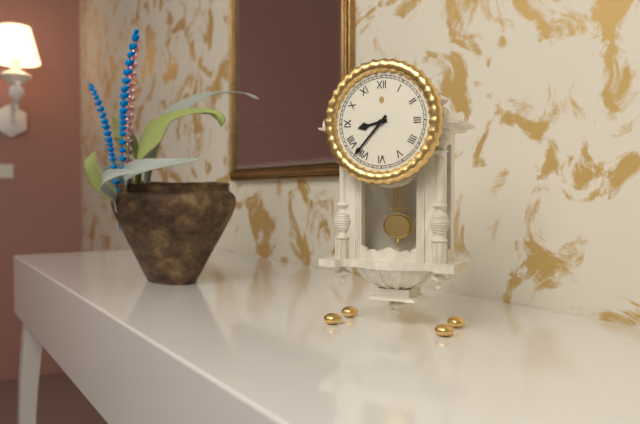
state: 8:37
